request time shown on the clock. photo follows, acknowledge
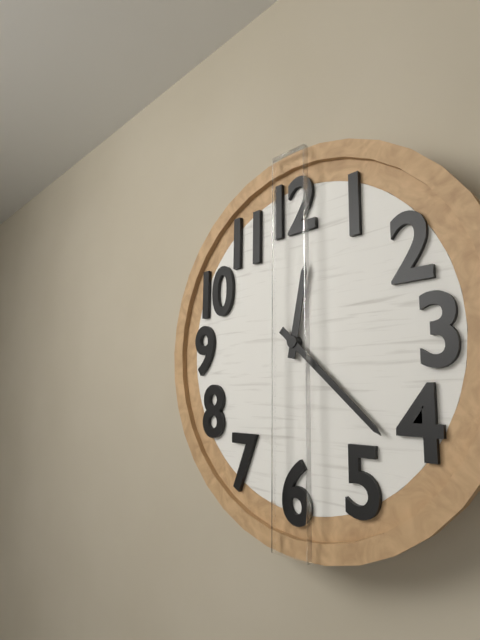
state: 12:22
